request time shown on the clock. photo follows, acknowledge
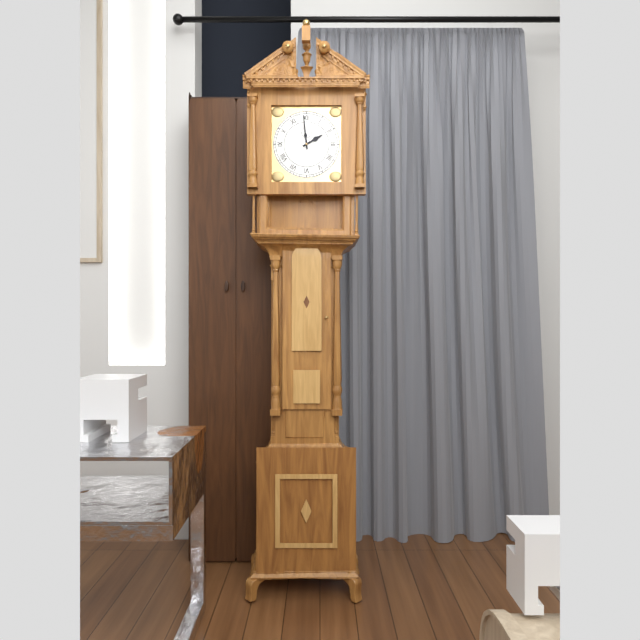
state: 1:59
